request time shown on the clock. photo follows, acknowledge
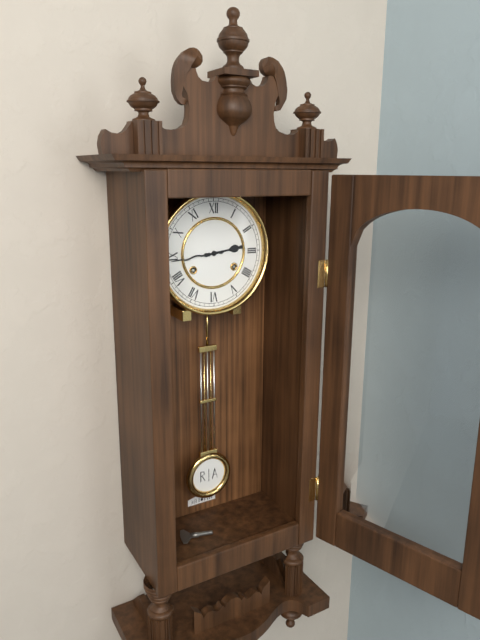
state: 2:44
